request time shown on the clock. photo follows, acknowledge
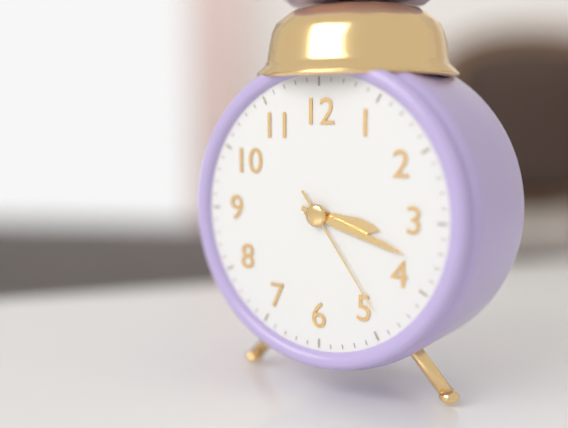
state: 3:18:24
